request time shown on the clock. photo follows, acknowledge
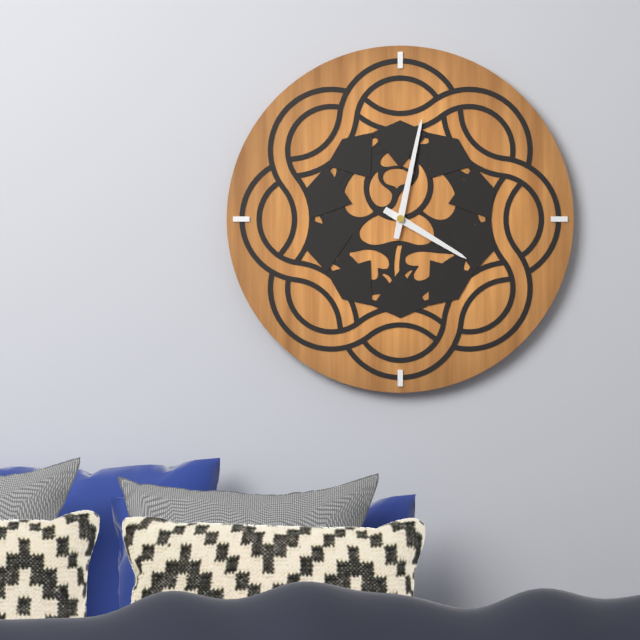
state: 4:02
